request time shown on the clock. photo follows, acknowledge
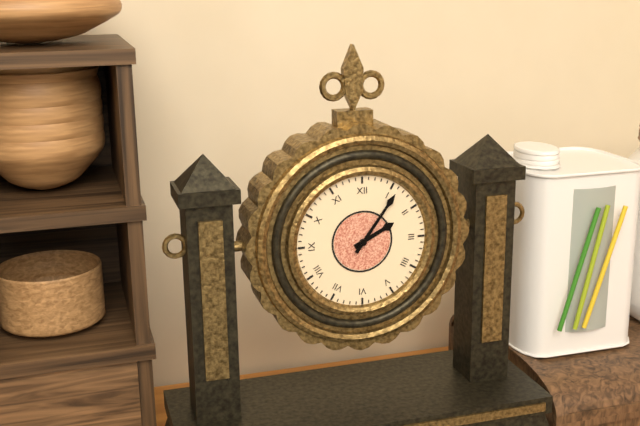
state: 2:06
